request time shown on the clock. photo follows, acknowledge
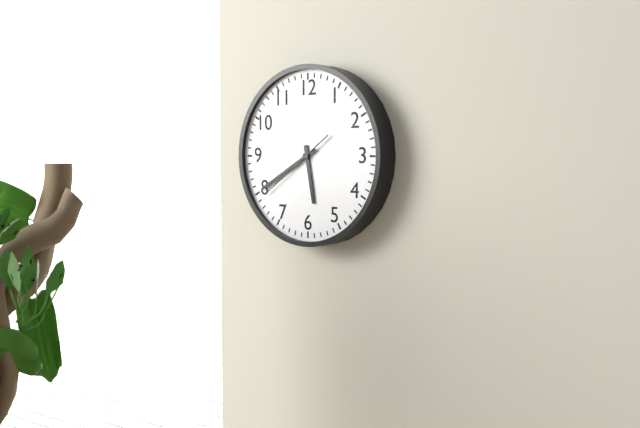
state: 5:40:39
